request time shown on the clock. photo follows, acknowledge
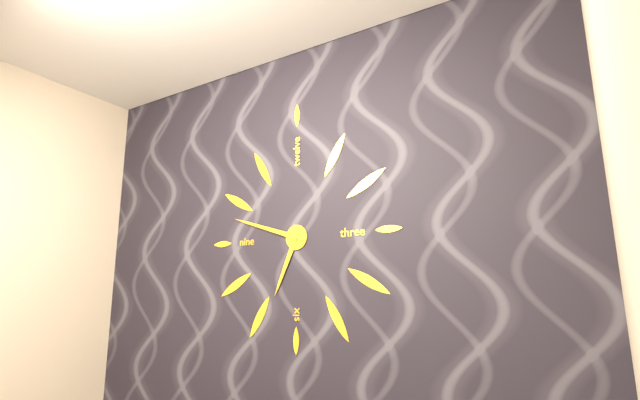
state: 6:48
